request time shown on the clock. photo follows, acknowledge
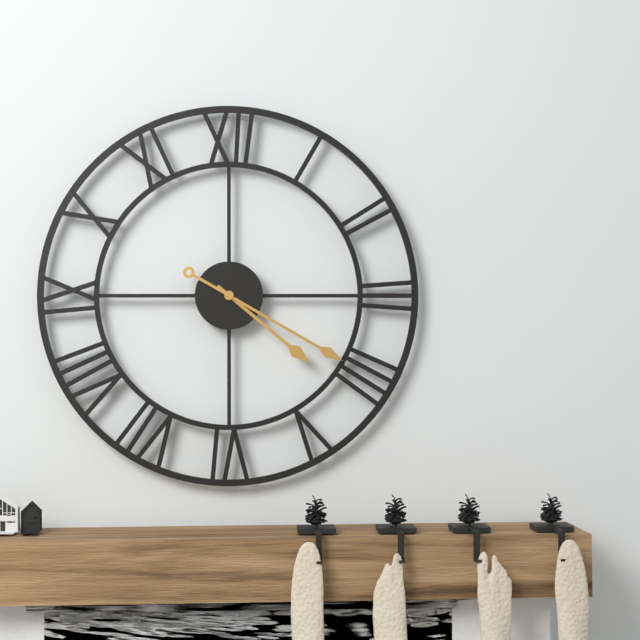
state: 4:20
